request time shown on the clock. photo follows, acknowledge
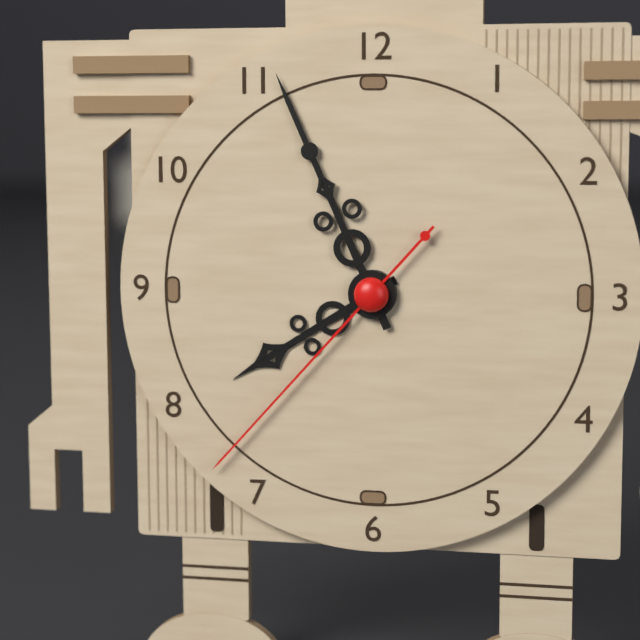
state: 7:56:37
